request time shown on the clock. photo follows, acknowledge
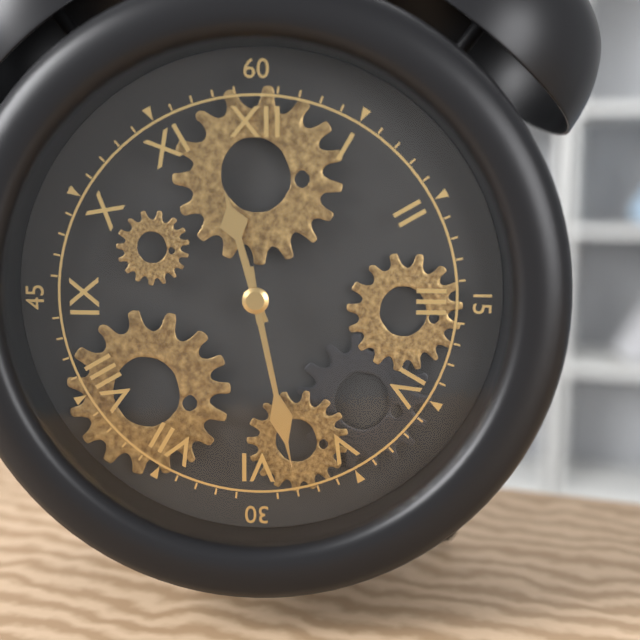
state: 11:28
